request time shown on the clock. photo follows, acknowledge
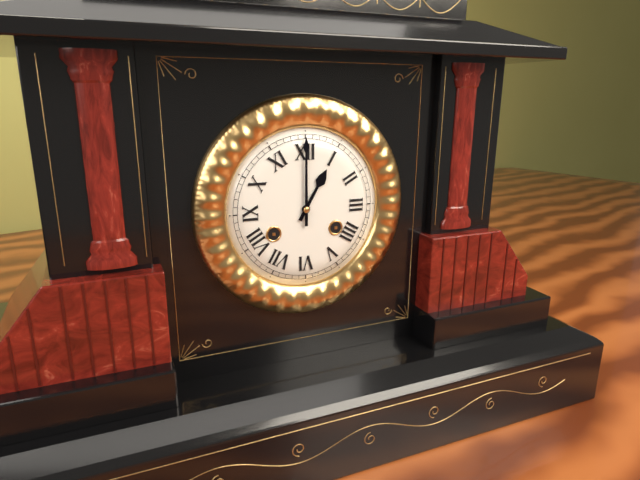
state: 1:00
